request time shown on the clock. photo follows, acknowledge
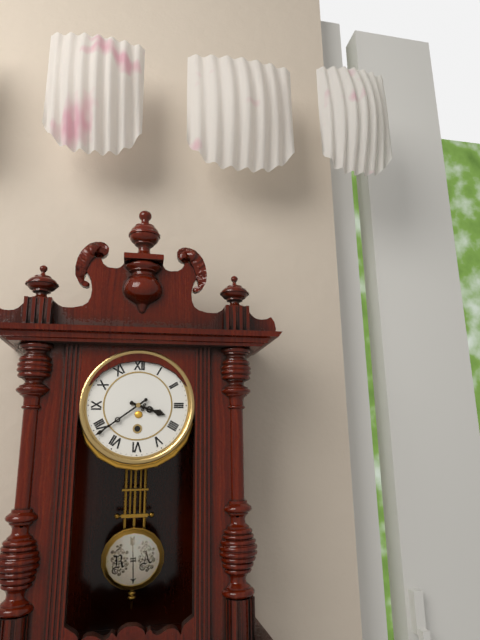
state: 3:39
